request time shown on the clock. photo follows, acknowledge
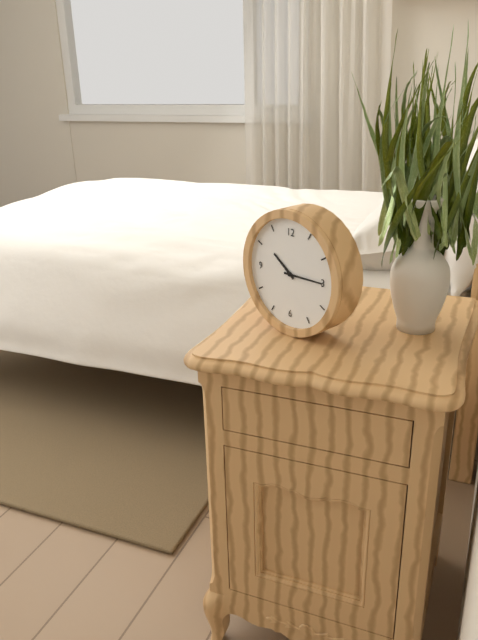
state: 10:15
